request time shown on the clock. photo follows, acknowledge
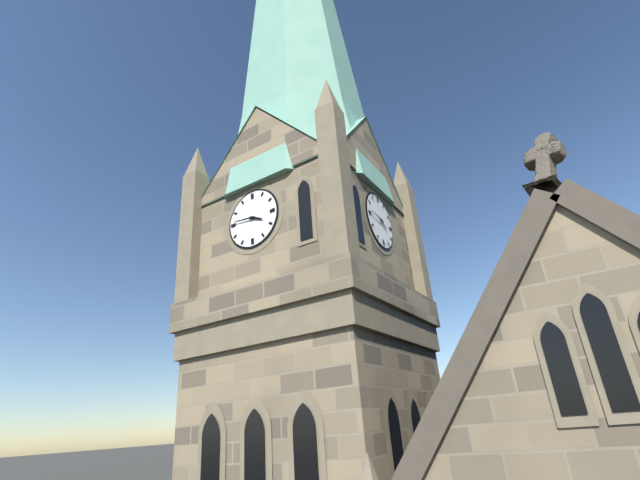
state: 3:46
